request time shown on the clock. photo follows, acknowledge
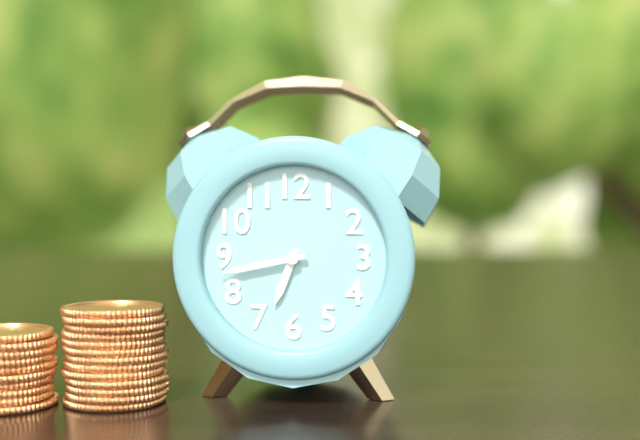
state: 6:43
